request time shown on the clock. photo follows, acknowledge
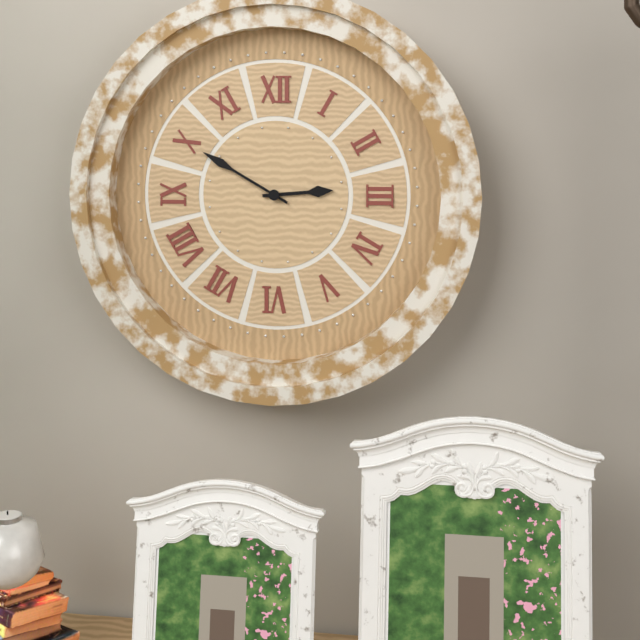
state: 2:50
